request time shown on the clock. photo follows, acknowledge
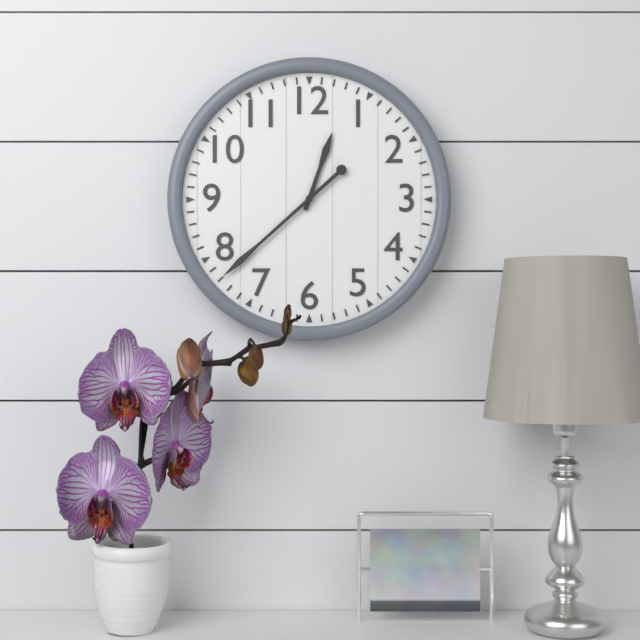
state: 12:38
